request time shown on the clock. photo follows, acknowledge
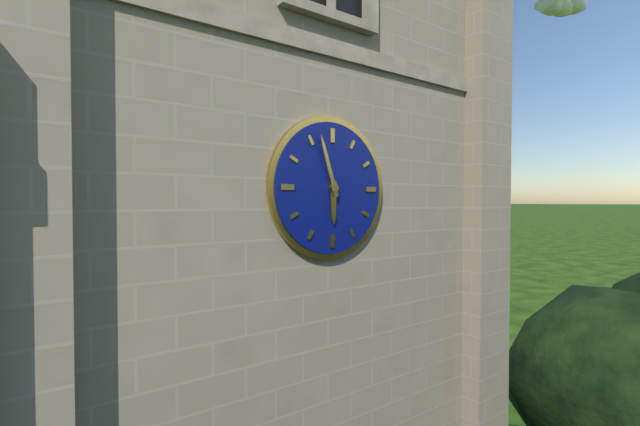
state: 5:57
